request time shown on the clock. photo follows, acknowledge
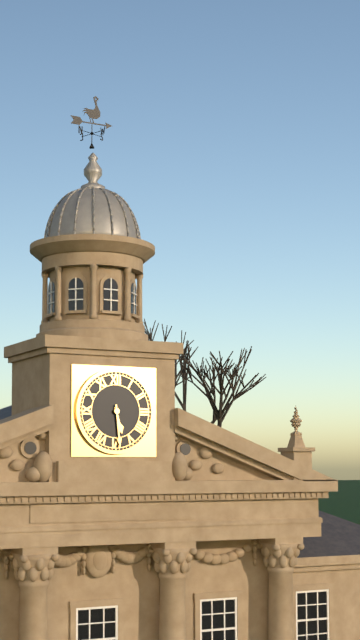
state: 5:29
